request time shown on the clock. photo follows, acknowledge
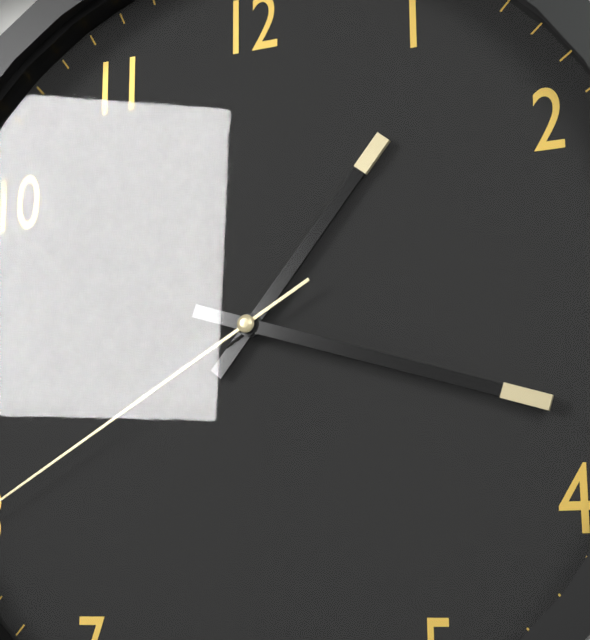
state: 1:18
